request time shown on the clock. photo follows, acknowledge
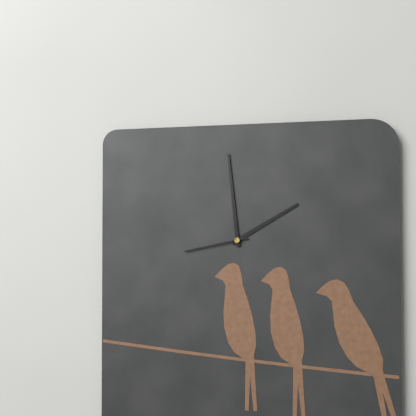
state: 1:59:43
